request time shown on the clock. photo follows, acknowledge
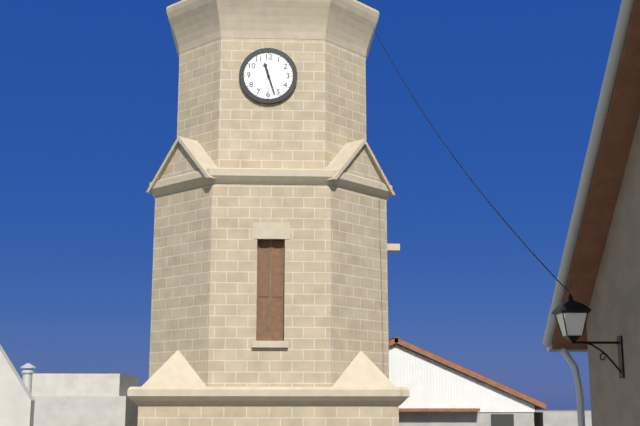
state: 11:27
